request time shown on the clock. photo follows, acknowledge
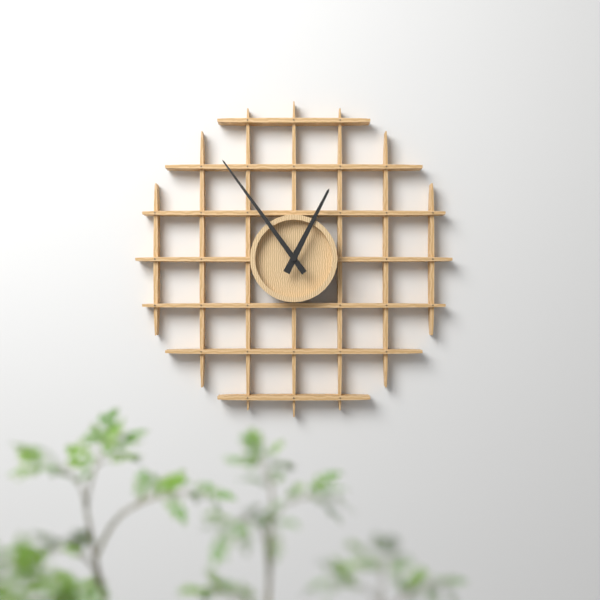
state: 12:54
